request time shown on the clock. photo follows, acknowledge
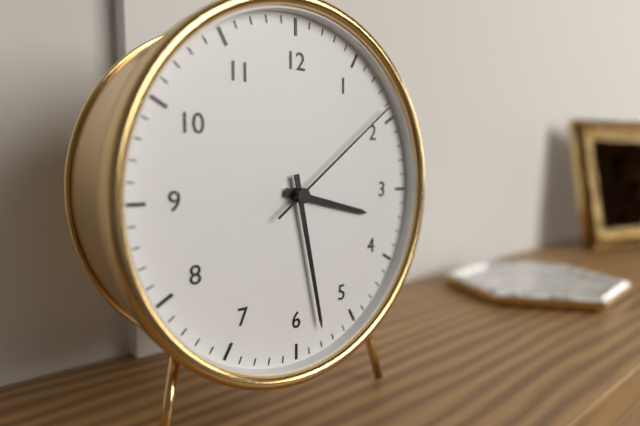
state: 3:28:09
